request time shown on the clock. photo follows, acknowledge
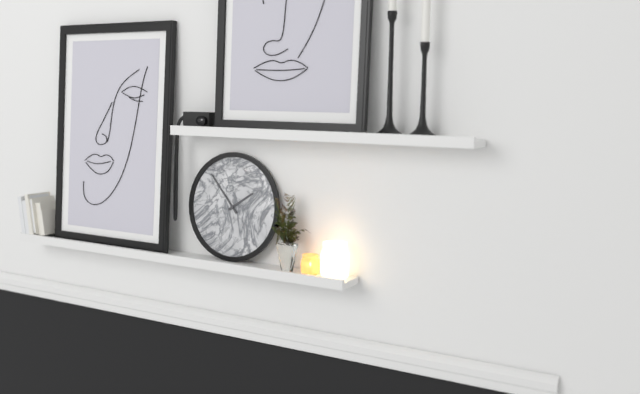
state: 1:53
